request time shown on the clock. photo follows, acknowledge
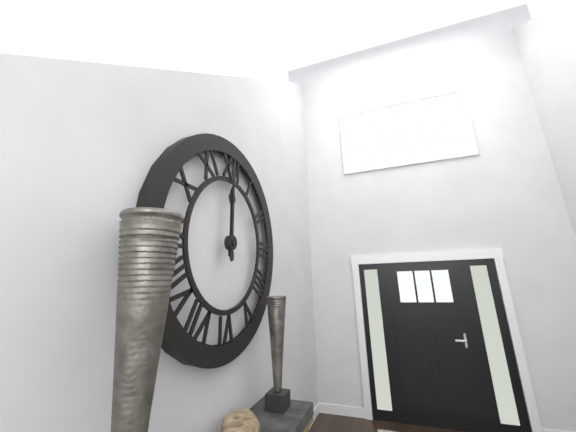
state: 12:00
